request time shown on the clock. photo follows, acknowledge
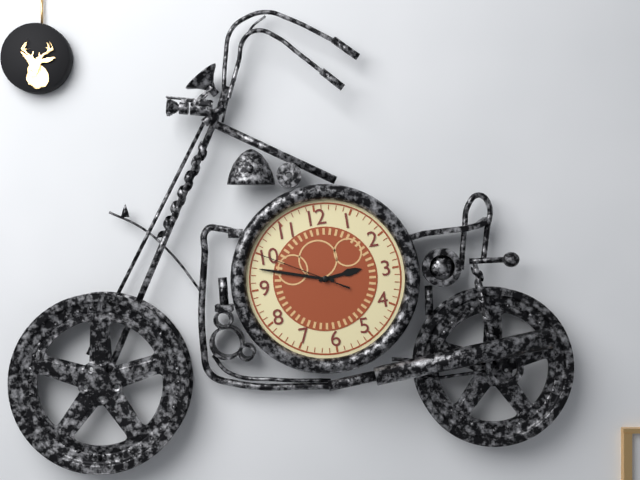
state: 2:48:50
